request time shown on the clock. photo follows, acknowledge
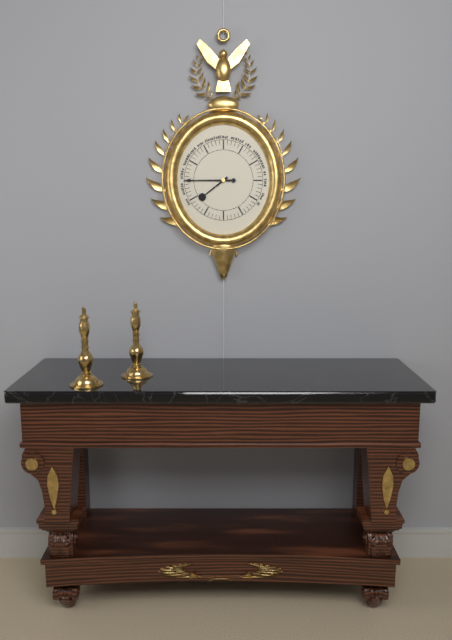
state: 7:45
